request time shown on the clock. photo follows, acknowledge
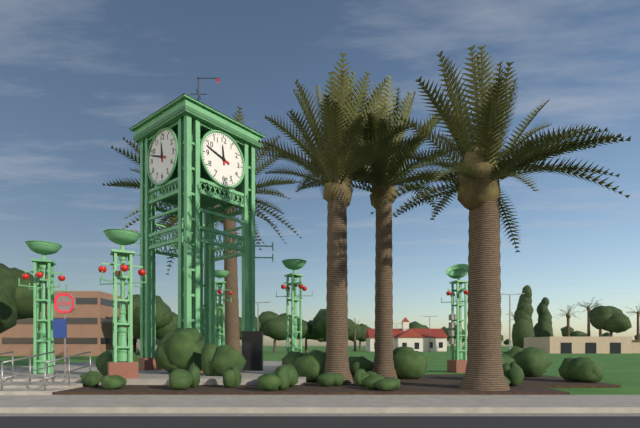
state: 11:48
